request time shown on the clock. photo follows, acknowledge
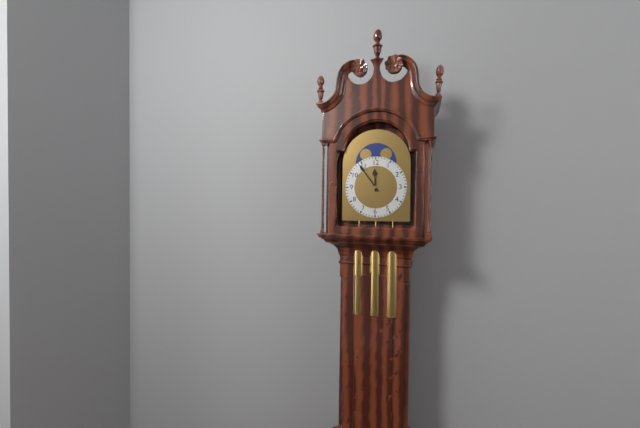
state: 11:54
